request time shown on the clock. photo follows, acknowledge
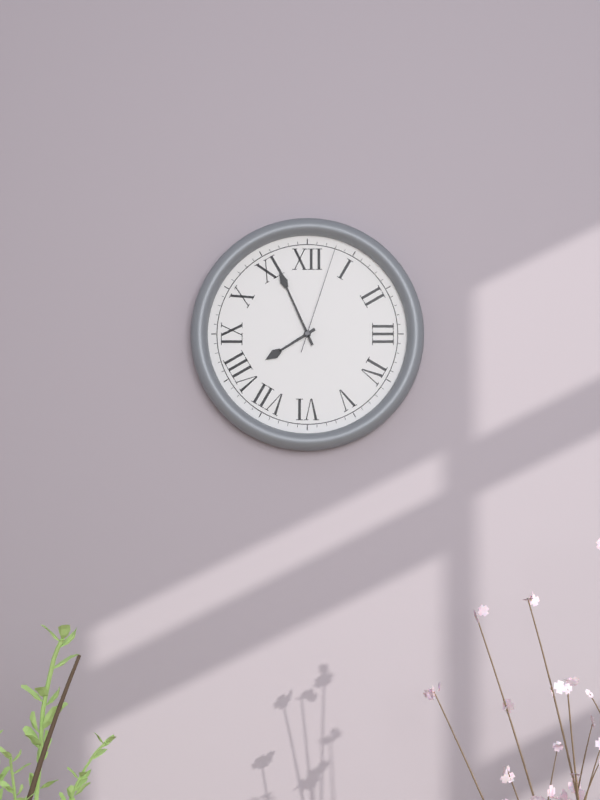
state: 7:56:03
